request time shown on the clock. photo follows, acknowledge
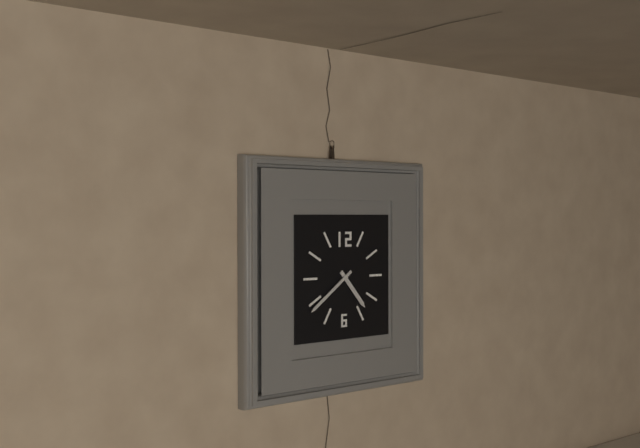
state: 4:39
